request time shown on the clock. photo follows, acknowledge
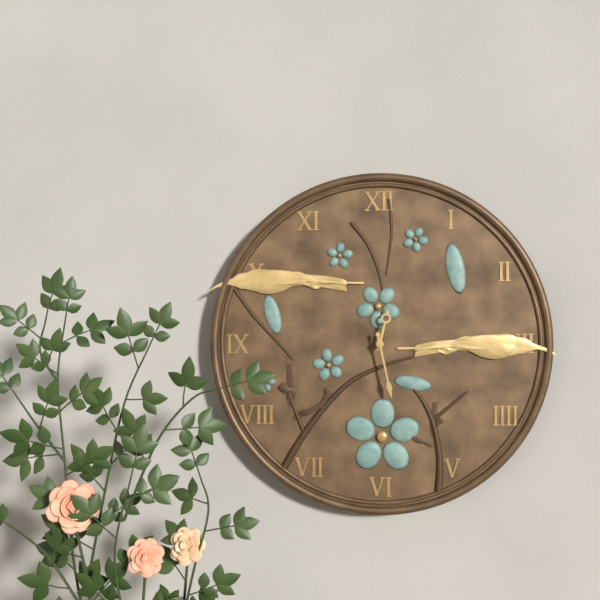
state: 12:28
